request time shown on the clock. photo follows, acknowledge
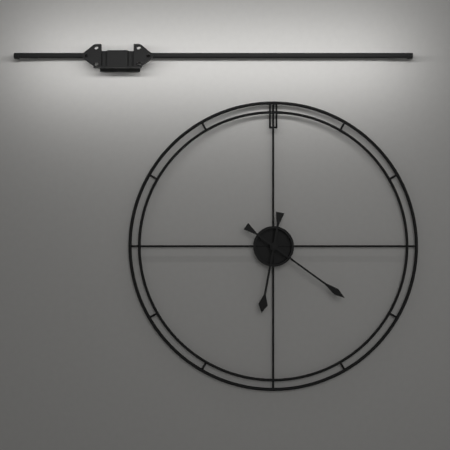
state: 6:21
